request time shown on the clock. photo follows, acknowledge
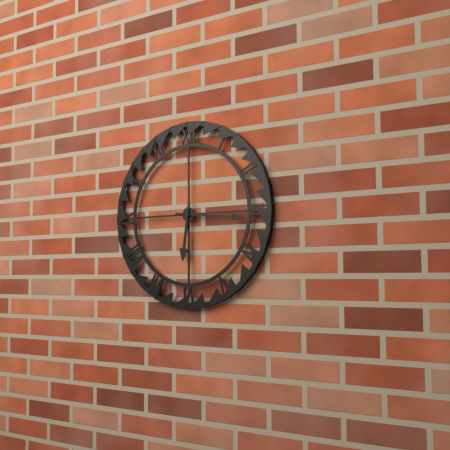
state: 6:16
